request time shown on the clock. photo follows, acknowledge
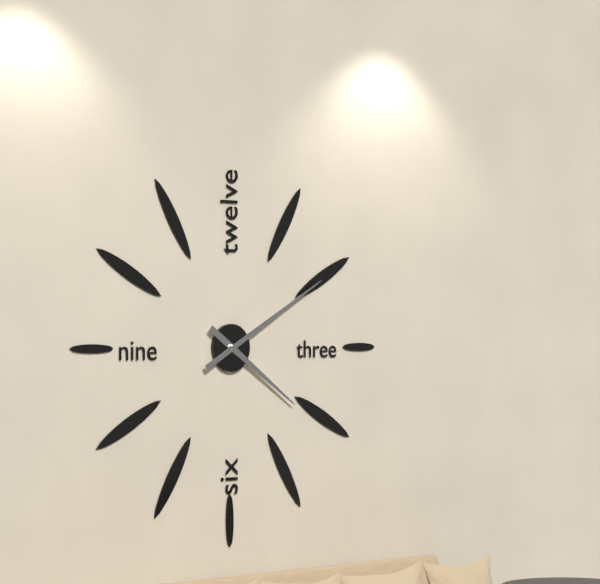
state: 4:10
